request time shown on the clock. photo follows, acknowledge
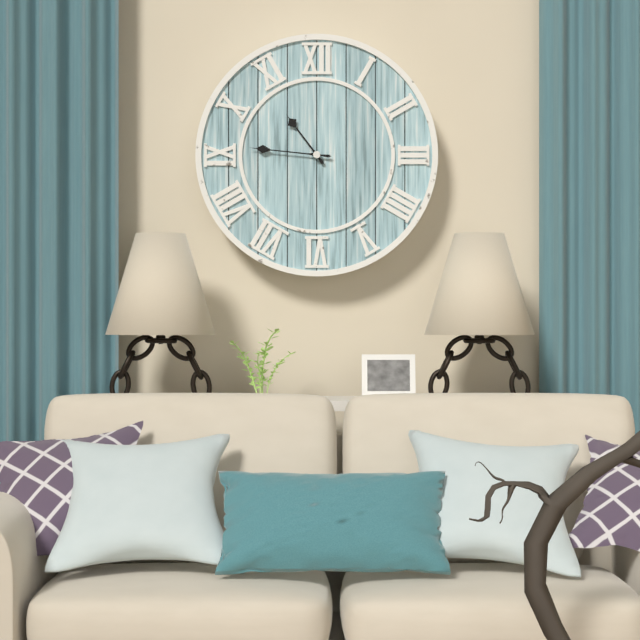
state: 10:46
